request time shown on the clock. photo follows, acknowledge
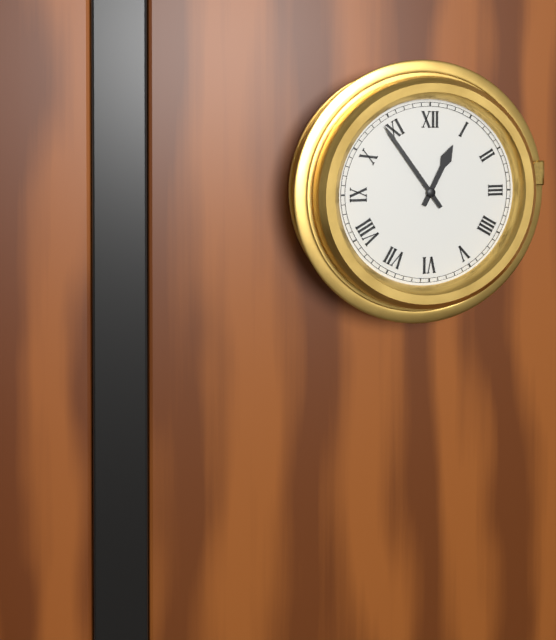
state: 12:54
